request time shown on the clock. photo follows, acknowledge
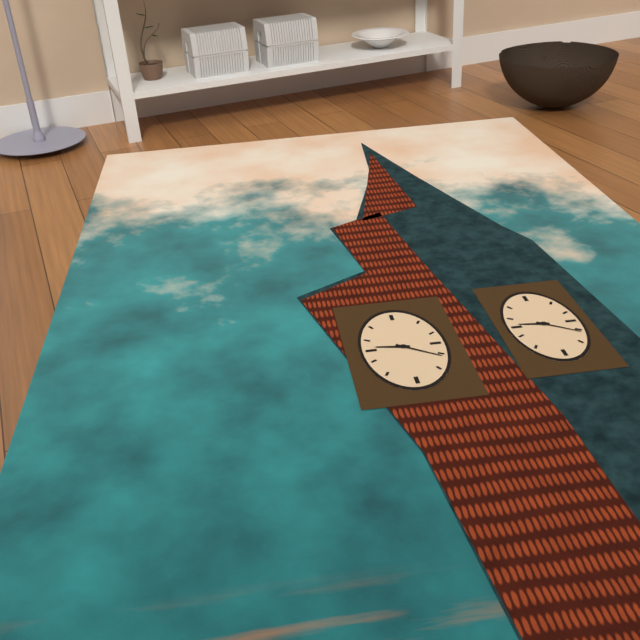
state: 9:21
